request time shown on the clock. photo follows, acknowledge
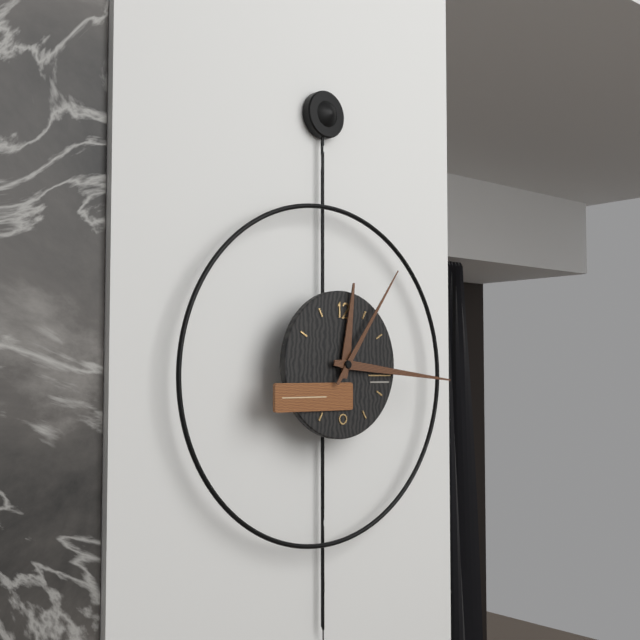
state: 12:16:06
